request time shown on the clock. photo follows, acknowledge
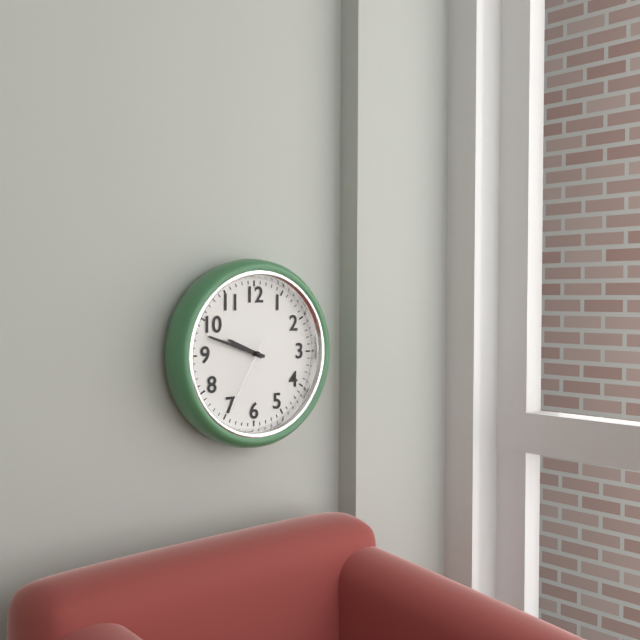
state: 9:48:35
